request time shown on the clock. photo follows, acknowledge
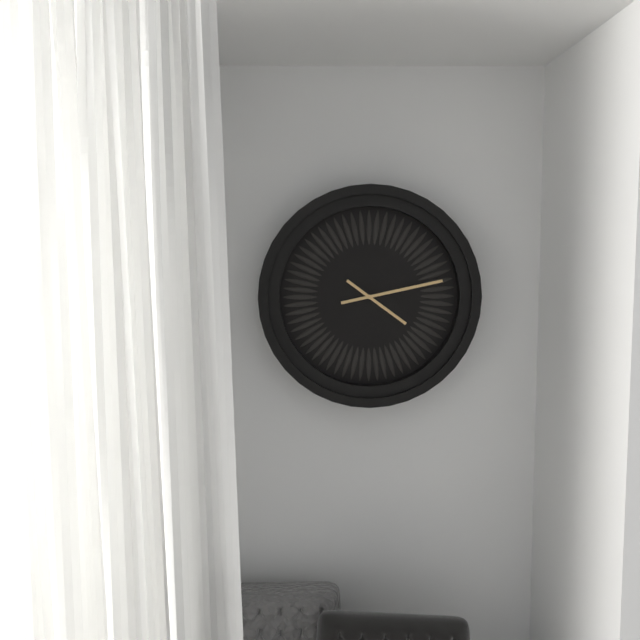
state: 4:13
